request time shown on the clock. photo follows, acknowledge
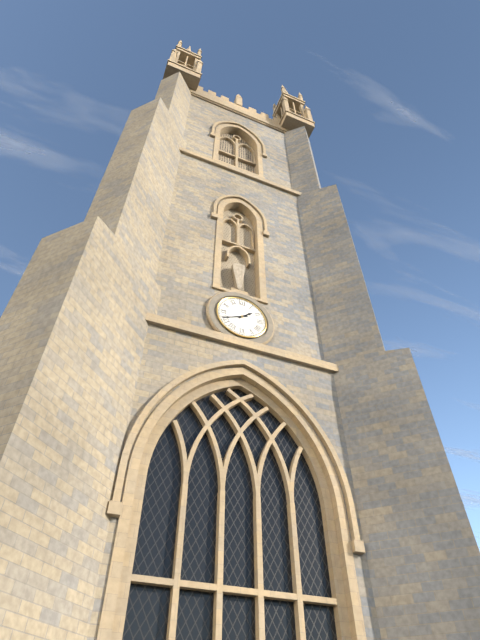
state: 1:41
